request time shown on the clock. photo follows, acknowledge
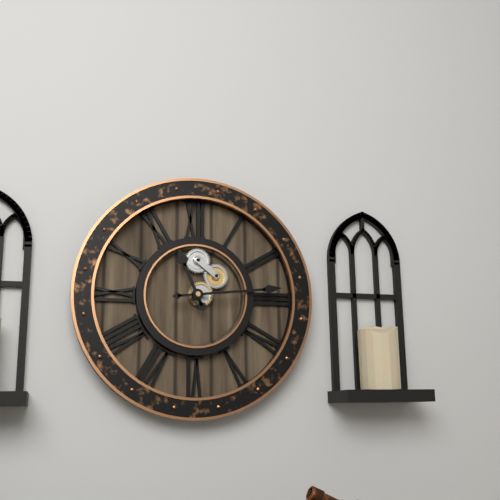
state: 11:14
